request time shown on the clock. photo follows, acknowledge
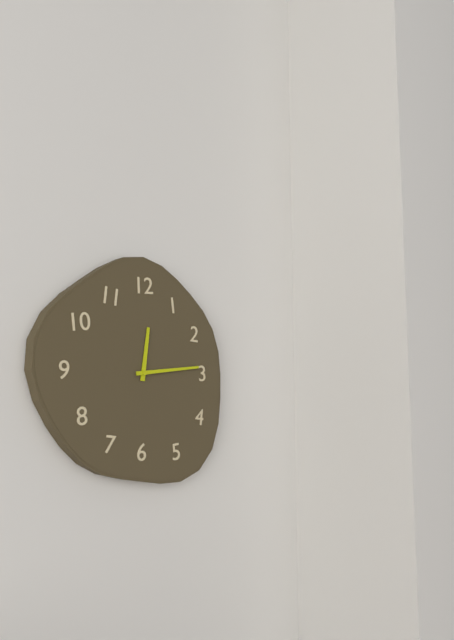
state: 12:14
